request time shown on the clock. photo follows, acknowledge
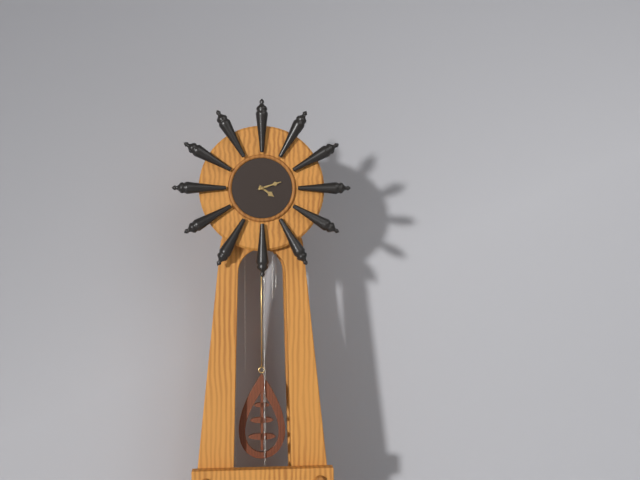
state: 4:12
